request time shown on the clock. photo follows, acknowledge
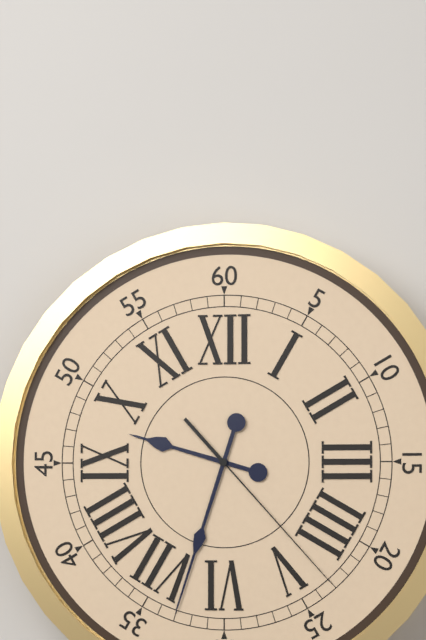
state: 9:33:23
